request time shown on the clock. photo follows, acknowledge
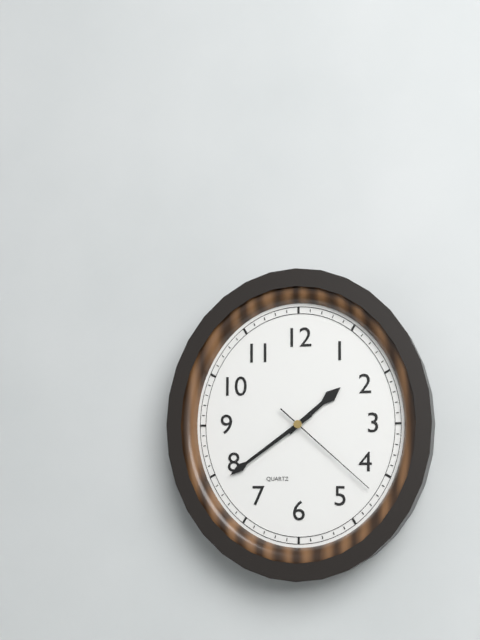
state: 1:39:22
